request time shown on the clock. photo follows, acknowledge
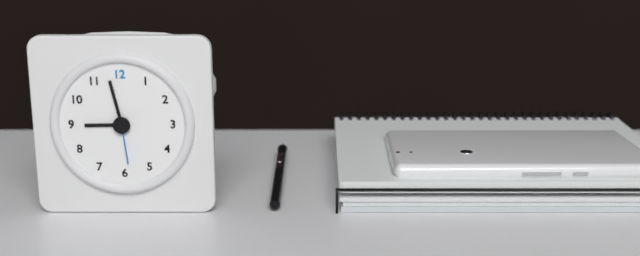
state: 8:58
